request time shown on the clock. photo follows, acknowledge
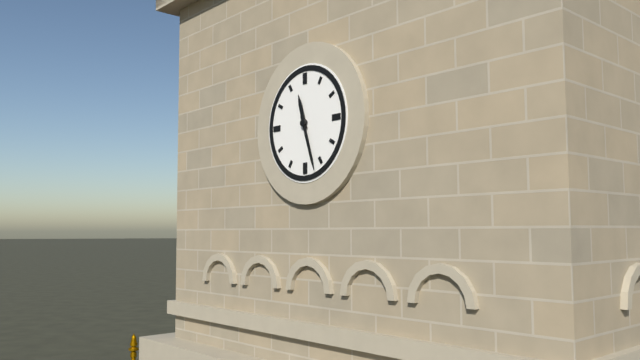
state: 11:27
